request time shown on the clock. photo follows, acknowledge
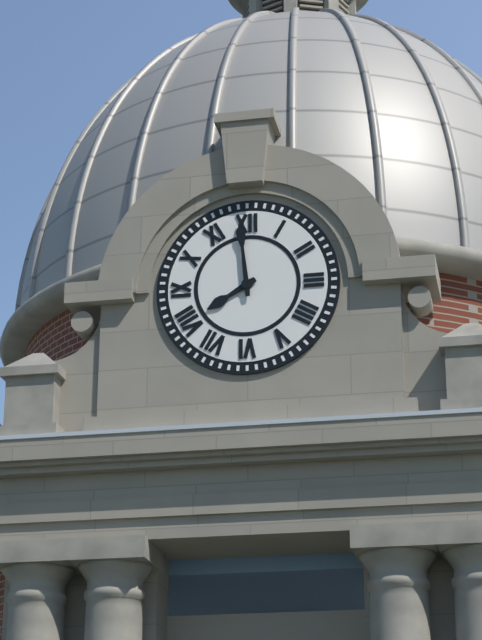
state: 7:59
